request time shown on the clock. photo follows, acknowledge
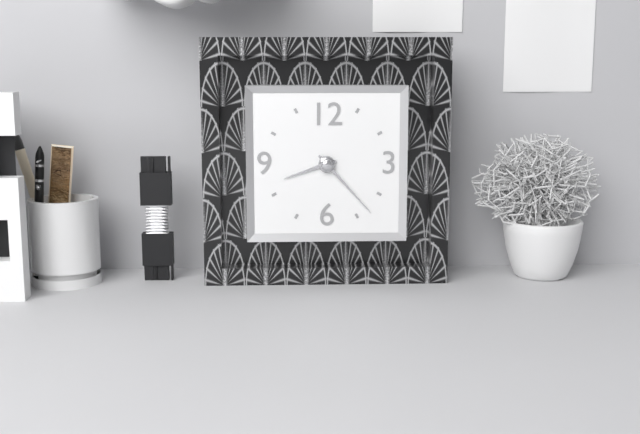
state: 8:23
